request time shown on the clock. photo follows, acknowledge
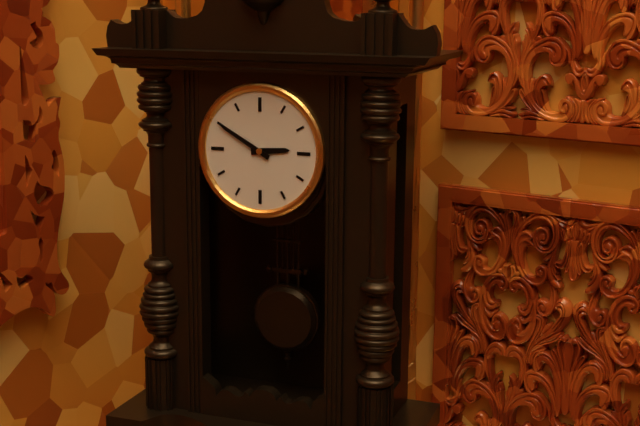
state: 2:50
